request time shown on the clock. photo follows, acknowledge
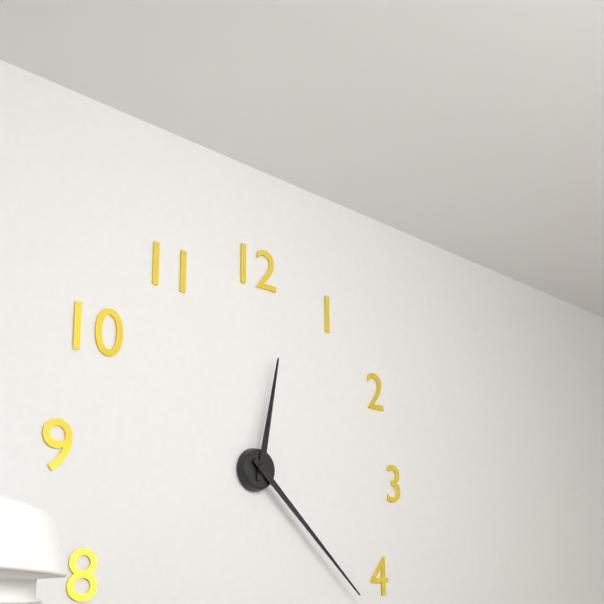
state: 12:22
